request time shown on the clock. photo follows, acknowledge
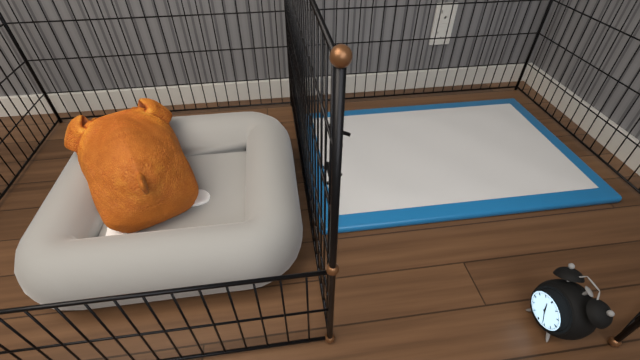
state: 11:26
